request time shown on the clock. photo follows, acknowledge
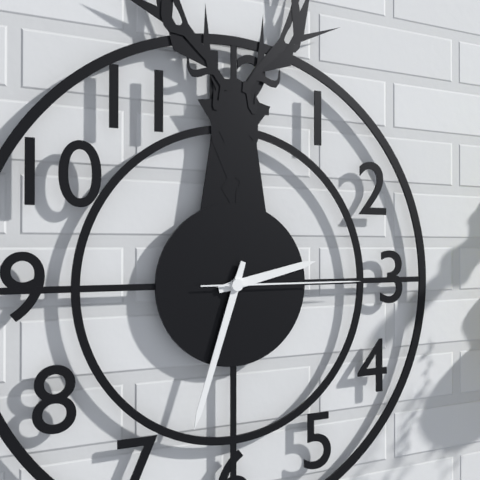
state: 2:33:15
